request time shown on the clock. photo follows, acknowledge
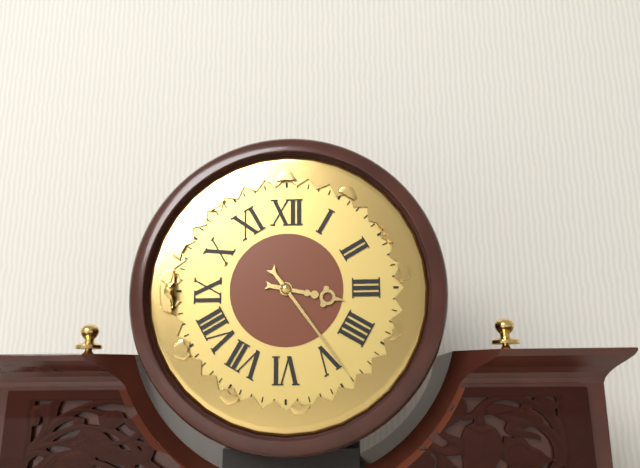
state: 3:24
